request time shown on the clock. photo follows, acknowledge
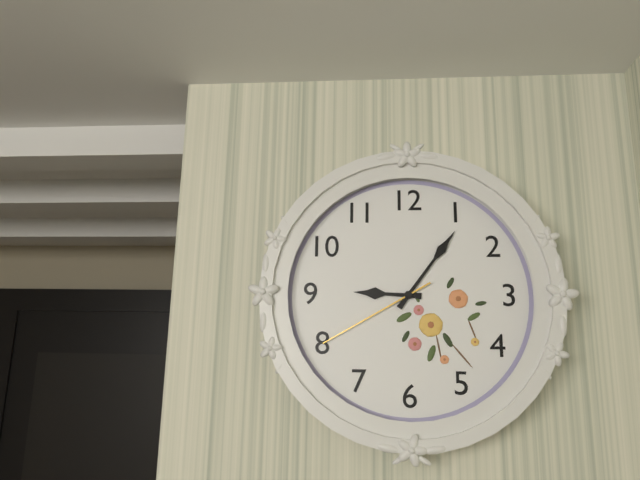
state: 9:06:40
